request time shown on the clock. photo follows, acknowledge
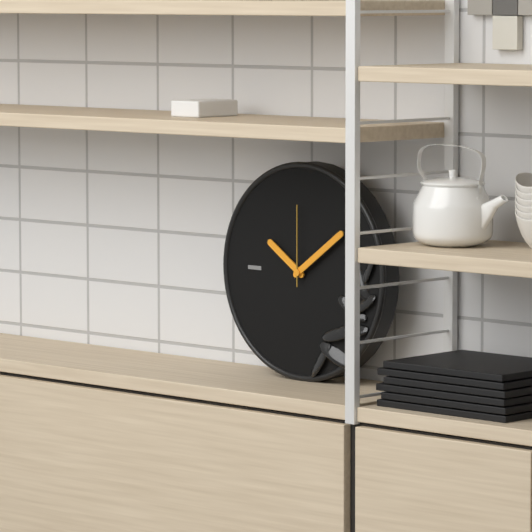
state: 10:09:00
